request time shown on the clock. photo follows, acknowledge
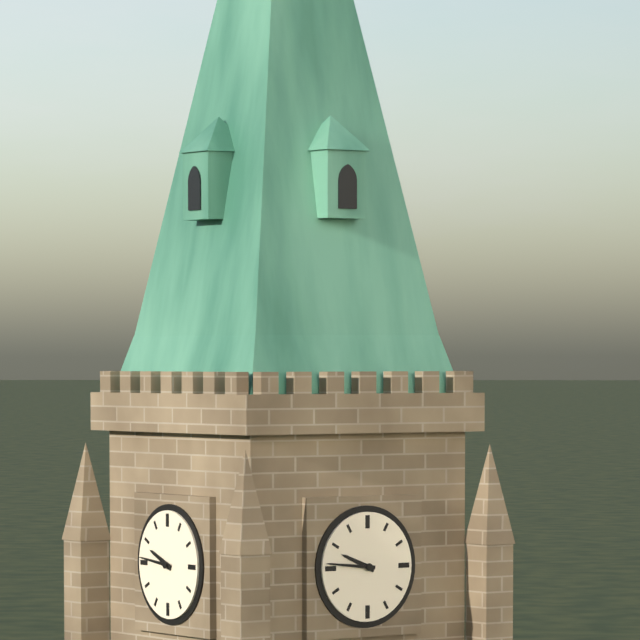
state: 9:46
